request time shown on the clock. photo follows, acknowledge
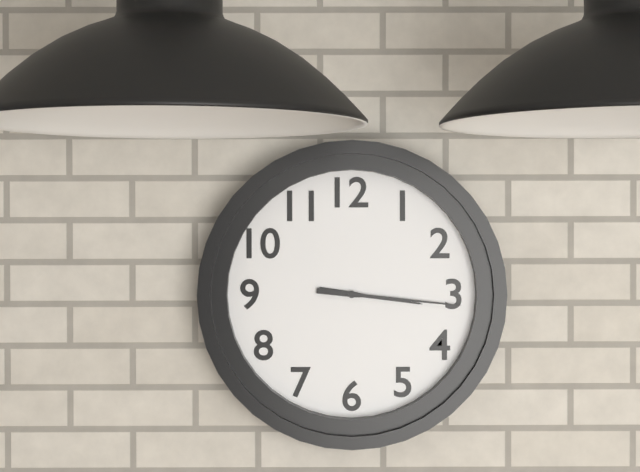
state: 3:16
